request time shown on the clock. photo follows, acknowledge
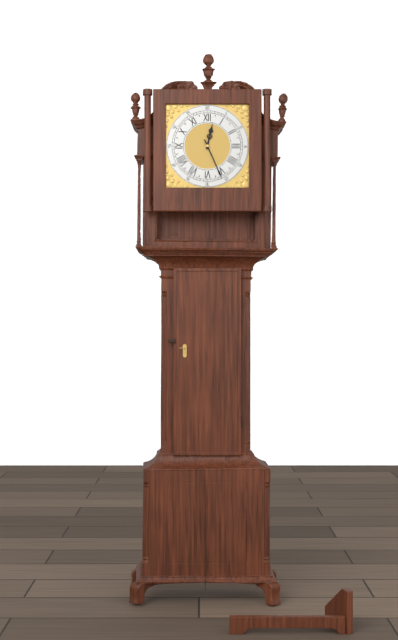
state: 12:26
